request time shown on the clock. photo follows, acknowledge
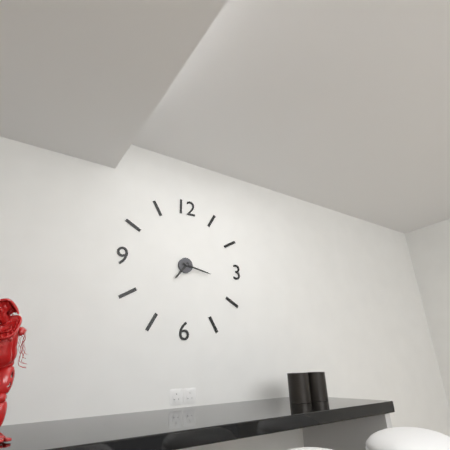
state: 7:17
